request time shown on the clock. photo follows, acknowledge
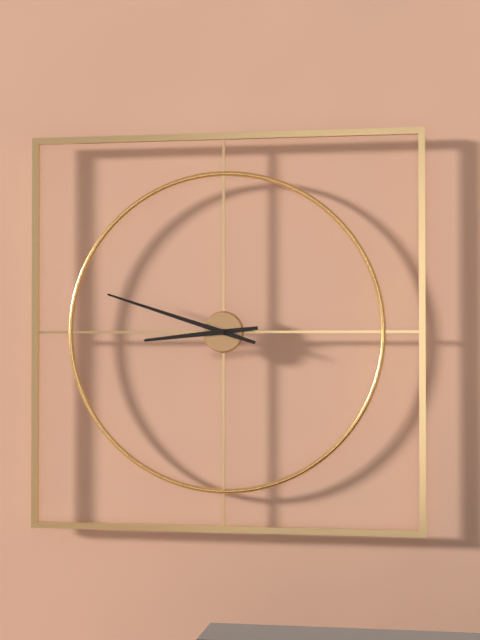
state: 8:48
